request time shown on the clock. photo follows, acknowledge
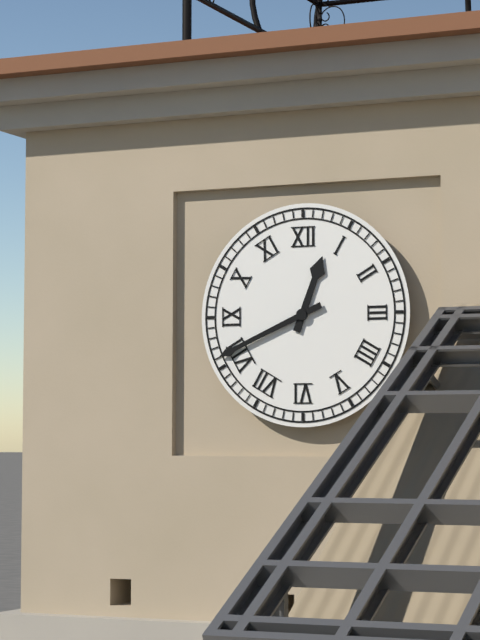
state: 12:41
